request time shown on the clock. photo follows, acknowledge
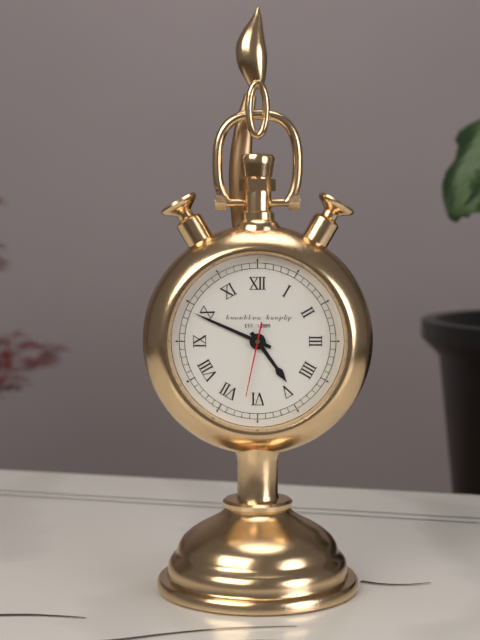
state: 4:49:32
